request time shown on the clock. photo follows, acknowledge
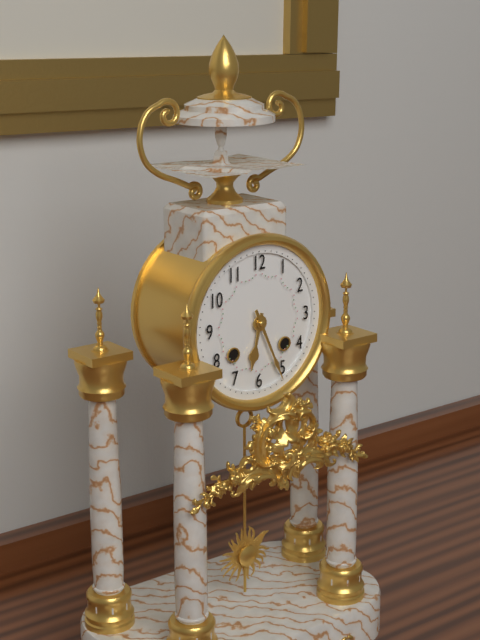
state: 6:26
